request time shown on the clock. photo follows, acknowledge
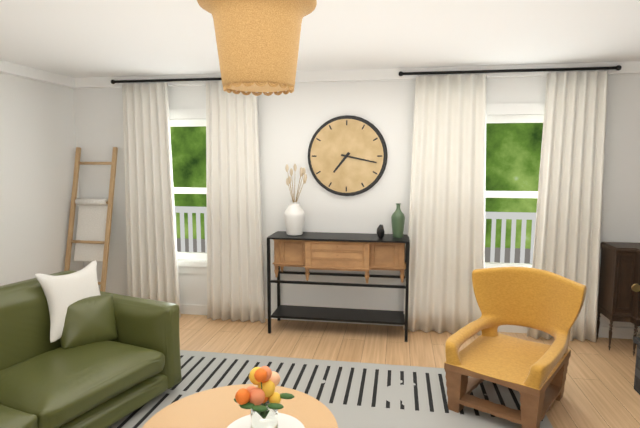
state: 7:17
